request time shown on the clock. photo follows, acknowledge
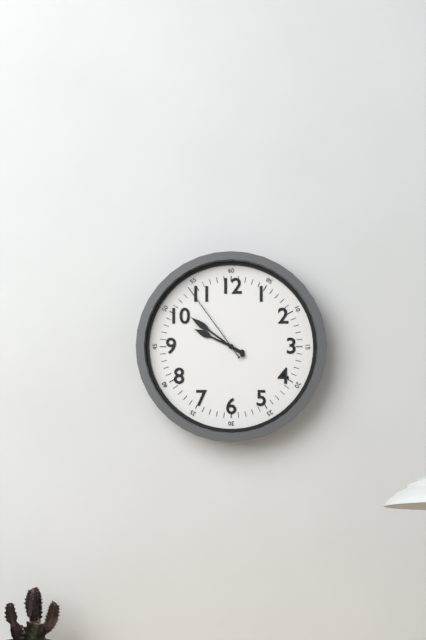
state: 9:51:54
